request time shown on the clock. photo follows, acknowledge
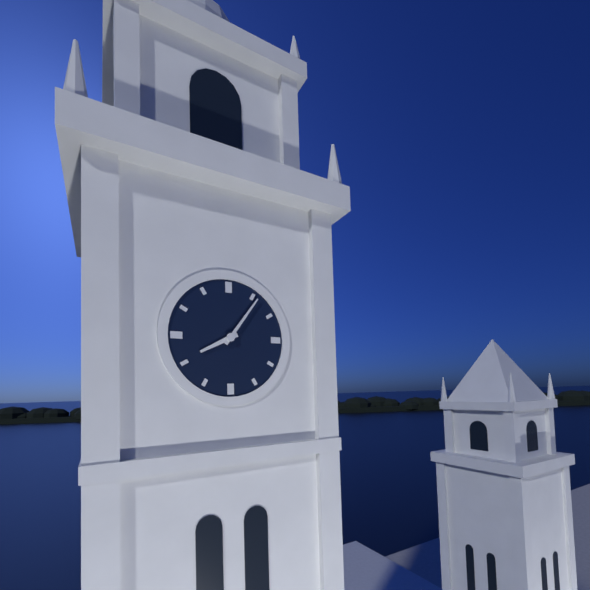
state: 8:06
